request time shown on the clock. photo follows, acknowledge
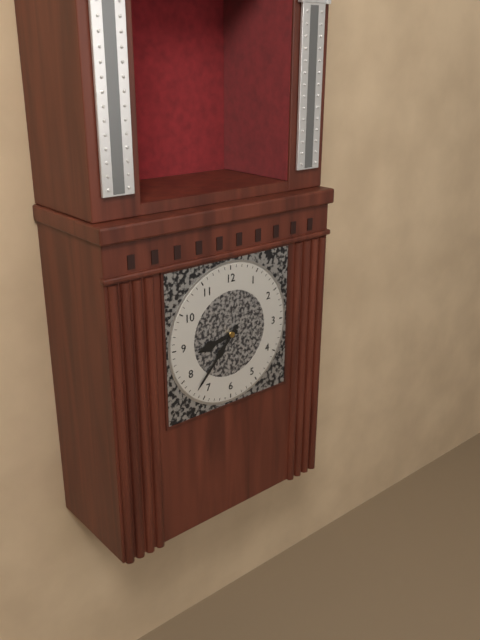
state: 8:37
